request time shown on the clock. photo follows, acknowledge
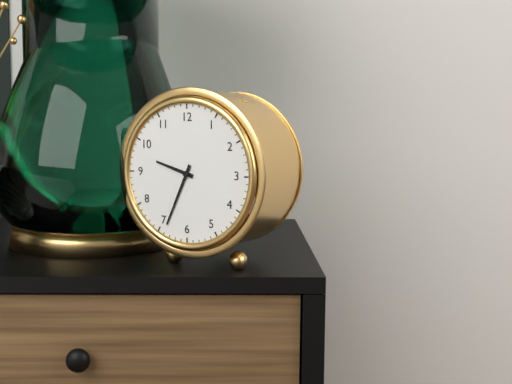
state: 9:34
